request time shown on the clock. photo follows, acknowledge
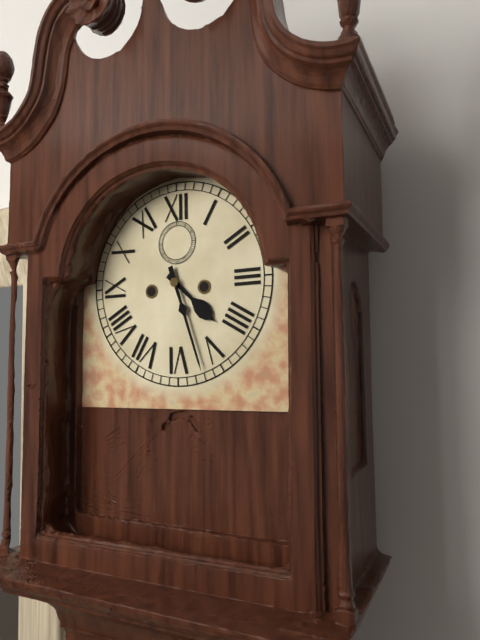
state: 4:27
